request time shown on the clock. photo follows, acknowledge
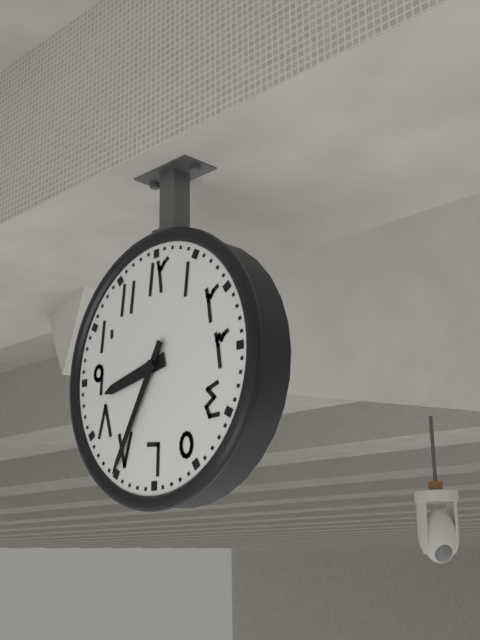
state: 8:35
